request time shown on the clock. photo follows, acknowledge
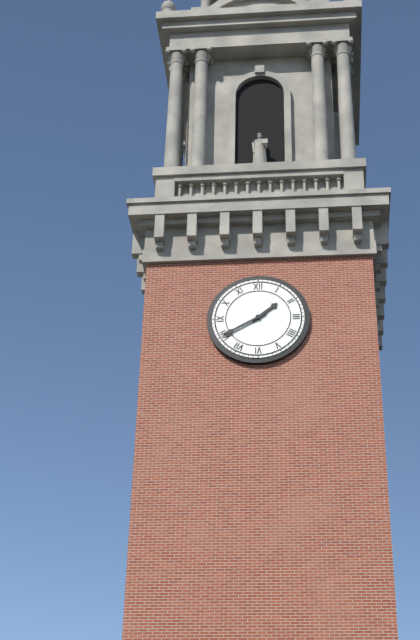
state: 1:40
